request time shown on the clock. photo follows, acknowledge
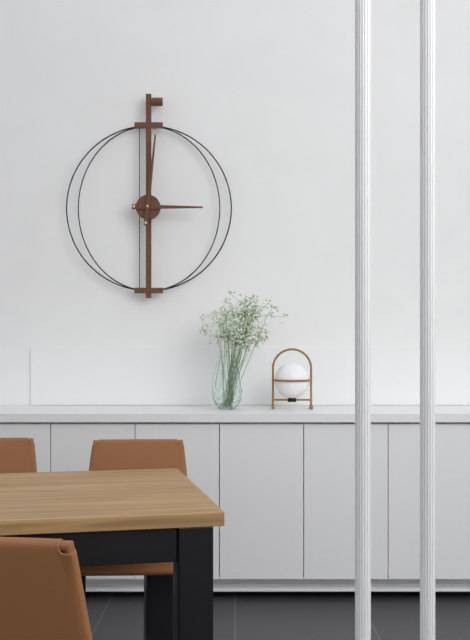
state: 3:01
